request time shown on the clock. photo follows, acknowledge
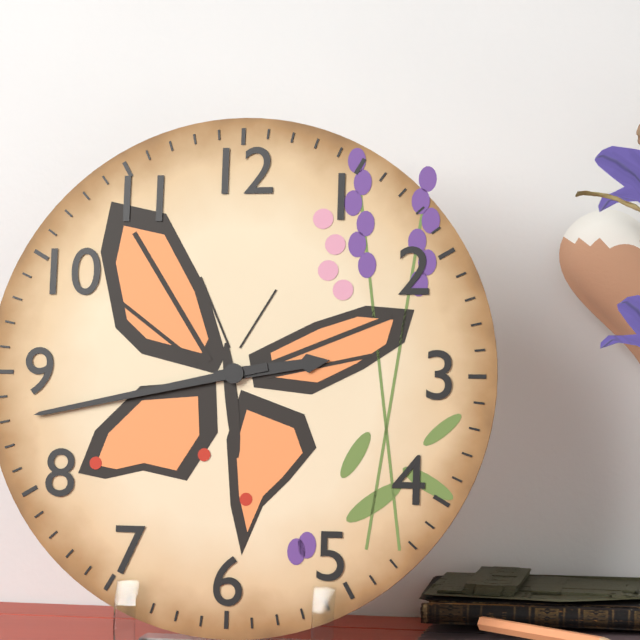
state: 2:43
